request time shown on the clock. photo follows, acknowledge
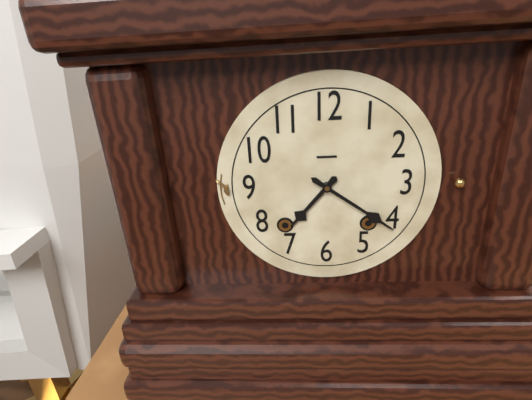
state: 7:21
